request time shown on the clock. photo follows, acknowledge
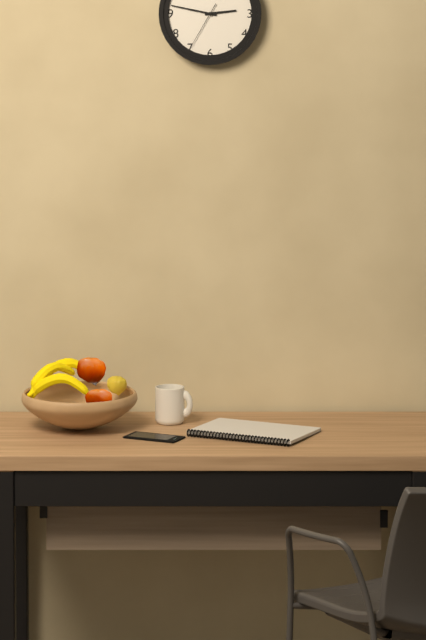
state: 2:47
